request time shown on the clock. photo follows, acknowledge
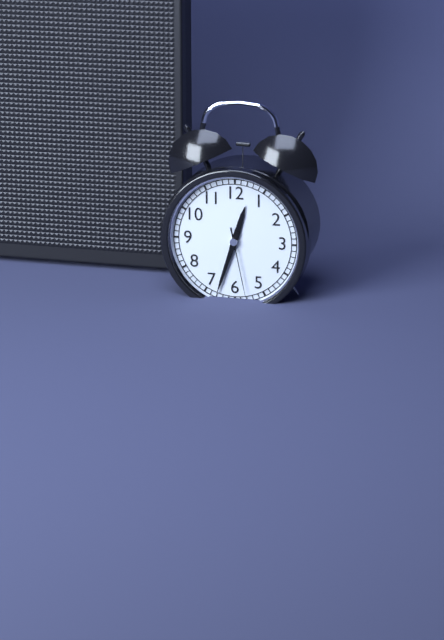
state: 12:33:28
